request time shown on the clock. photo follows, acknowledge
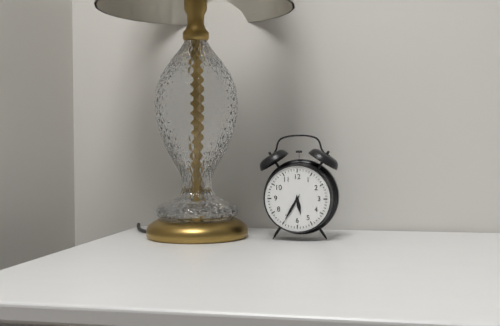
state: 5:35
